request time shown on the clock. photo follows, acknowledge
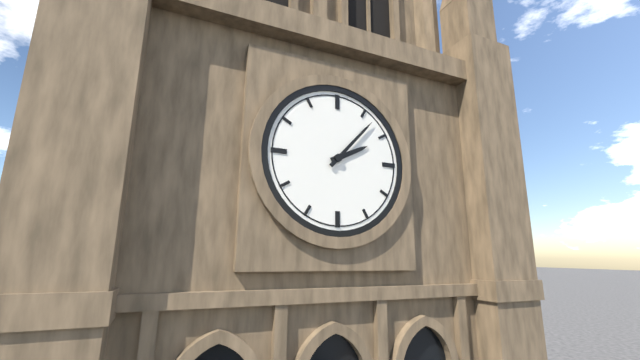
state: 2:07
